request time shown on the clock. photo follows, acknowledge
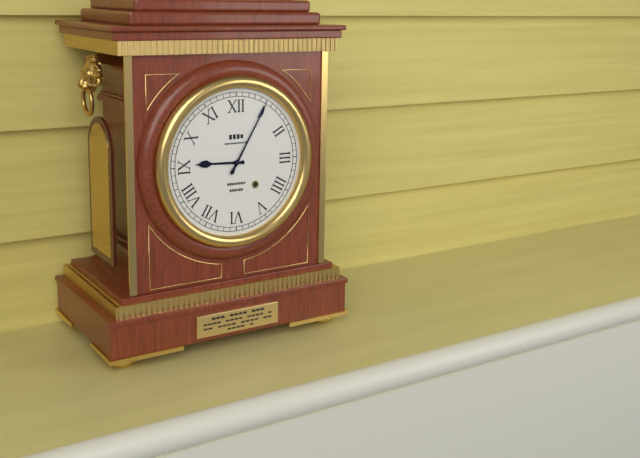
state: 9:05
